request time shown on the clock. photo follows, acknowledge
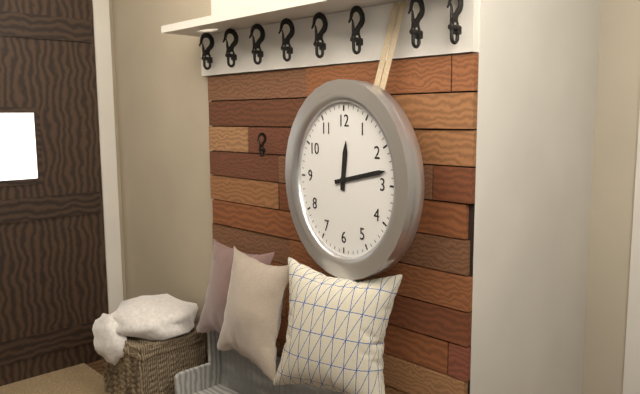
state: 12:13
